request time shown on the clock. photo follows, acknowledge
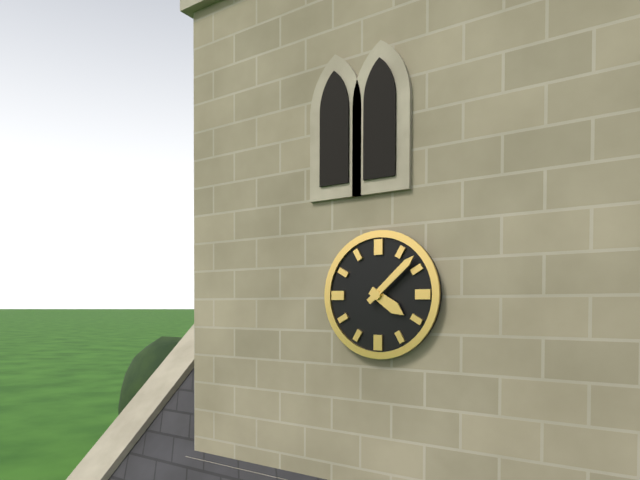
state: 4:08
